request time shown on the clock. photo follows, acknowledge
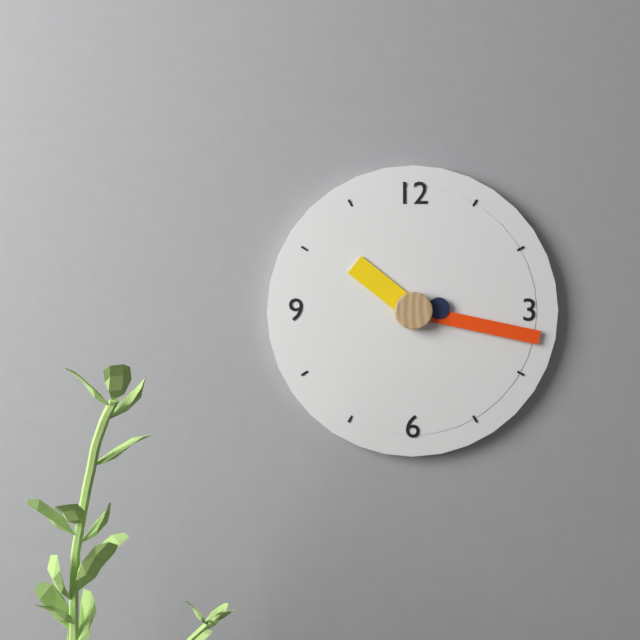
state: 10:17
